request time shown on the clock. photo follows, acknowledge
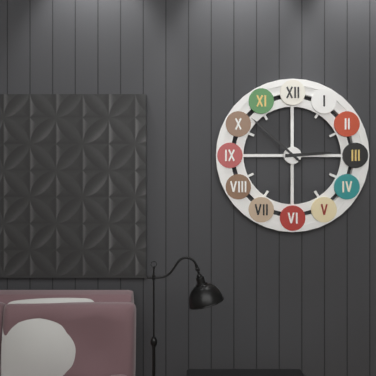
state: 2:52
